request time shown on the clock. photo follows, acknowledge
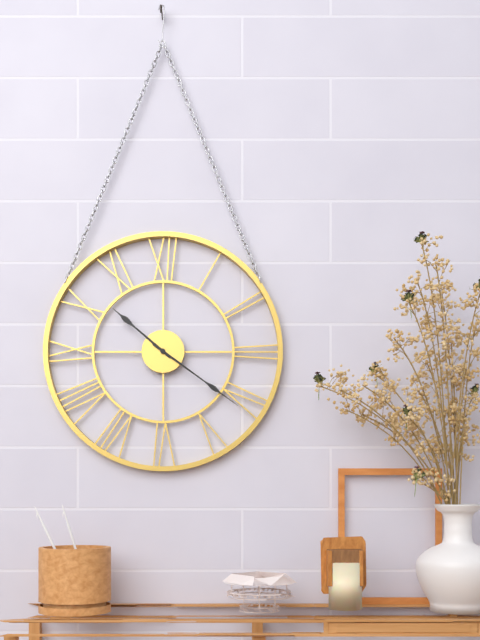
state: 10:21
